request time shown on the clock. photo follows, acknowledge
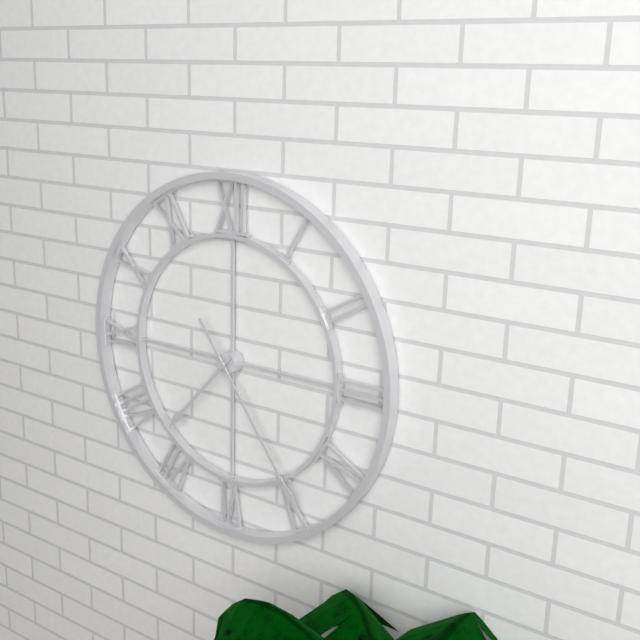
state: 7:24
